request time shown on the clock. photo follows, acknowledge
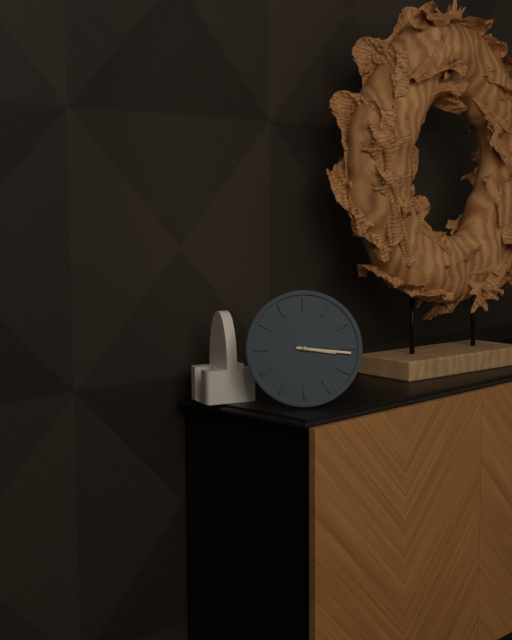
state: 3:16
